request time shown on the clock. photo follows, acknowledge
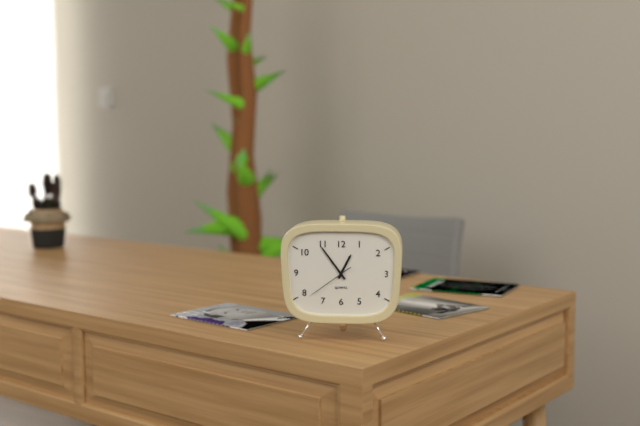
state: 12:54
